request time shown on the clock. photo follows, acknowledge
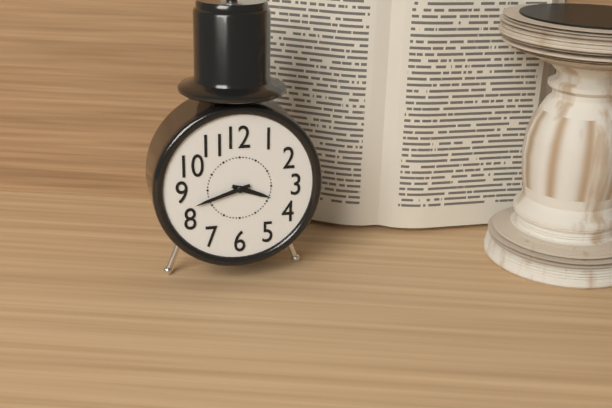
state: 3:42
